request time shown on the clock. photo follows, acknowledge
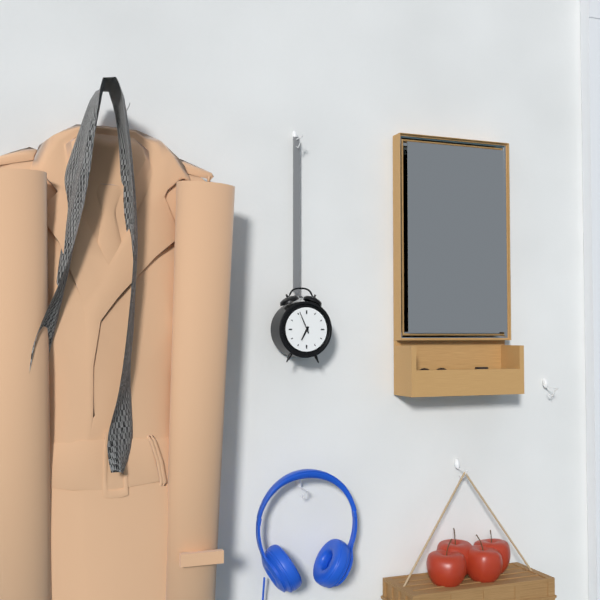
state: 6:56
